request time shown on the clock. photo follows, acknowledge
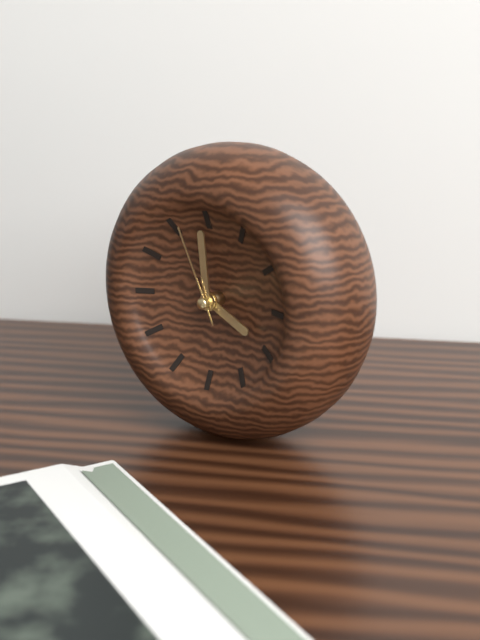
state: 3:59:56
